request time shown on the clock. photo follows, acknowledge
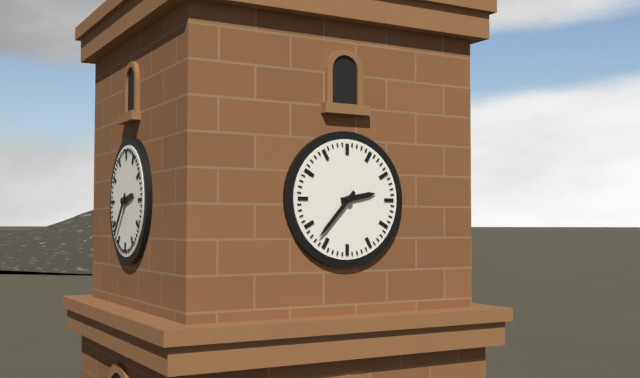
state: 2:37
